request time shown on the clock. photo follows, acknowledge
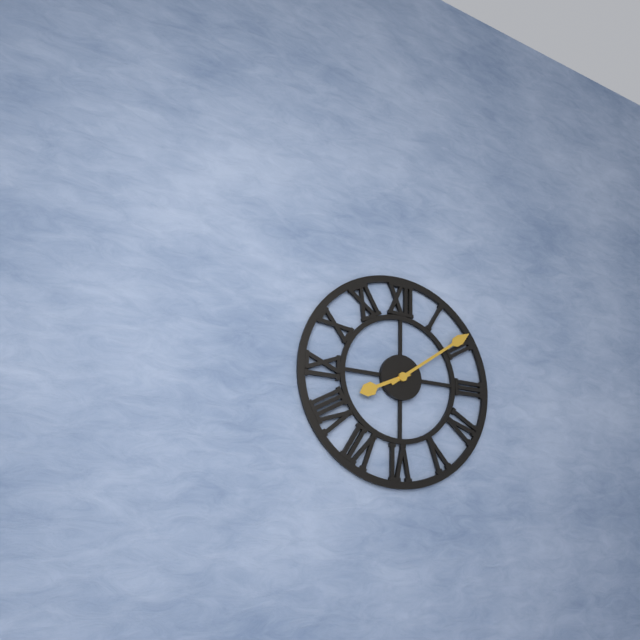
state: 8:09
